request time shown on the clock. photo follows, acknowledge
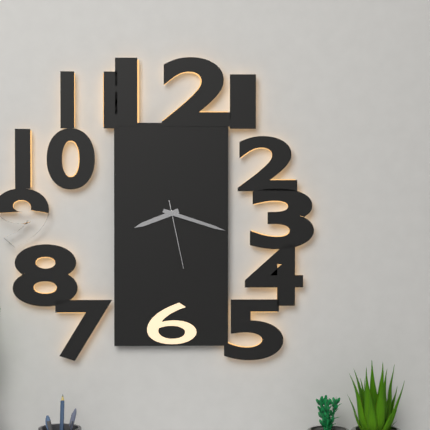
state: 8:18:28
